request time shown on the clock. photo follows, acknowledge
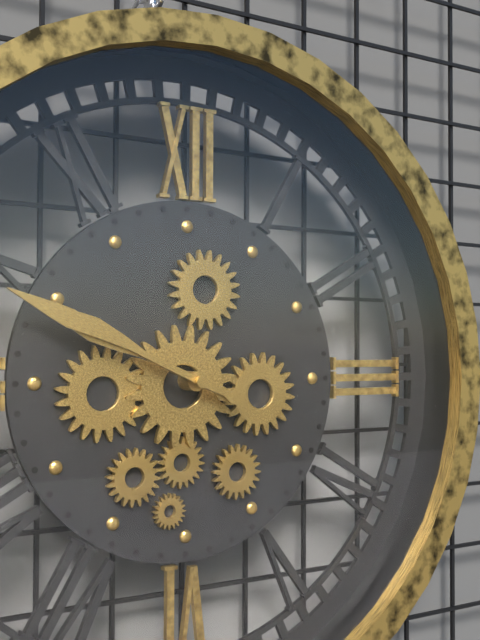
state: 9:49
